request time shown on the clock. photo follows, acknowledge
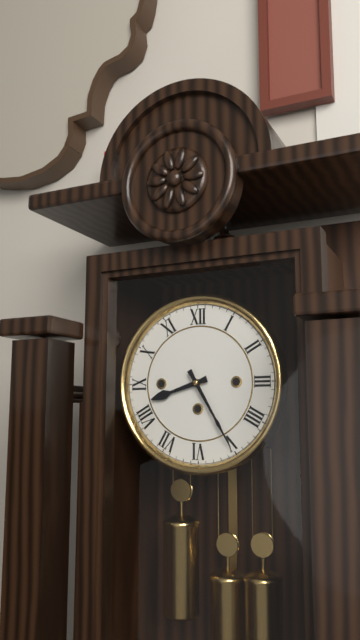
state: 8:25
